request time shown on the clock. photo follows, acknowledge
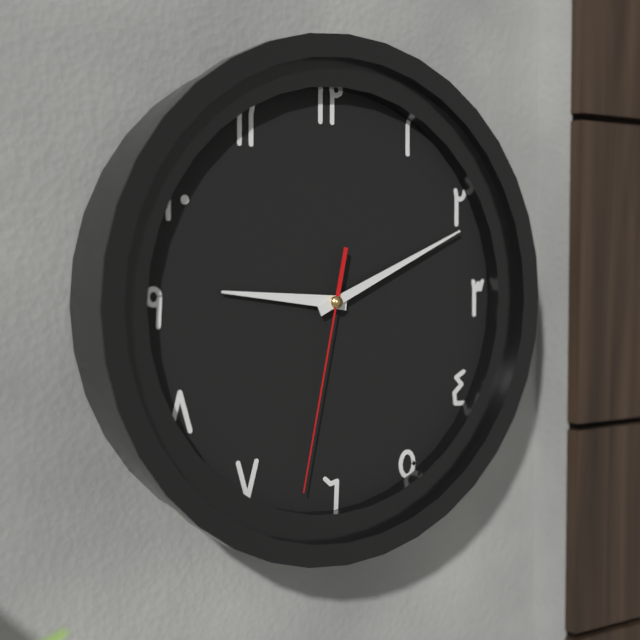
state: 9:11:32
